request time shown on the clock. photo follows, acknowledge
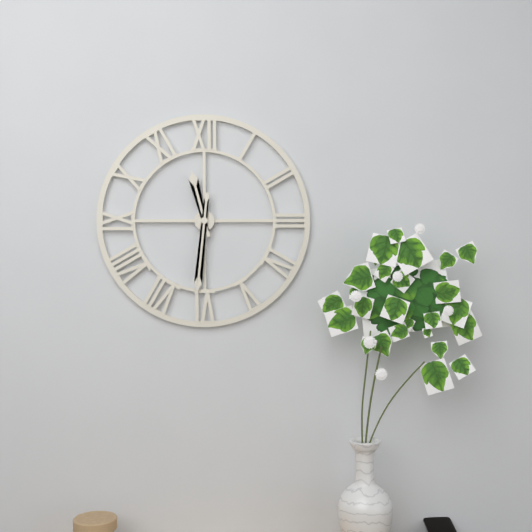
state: 11:31
